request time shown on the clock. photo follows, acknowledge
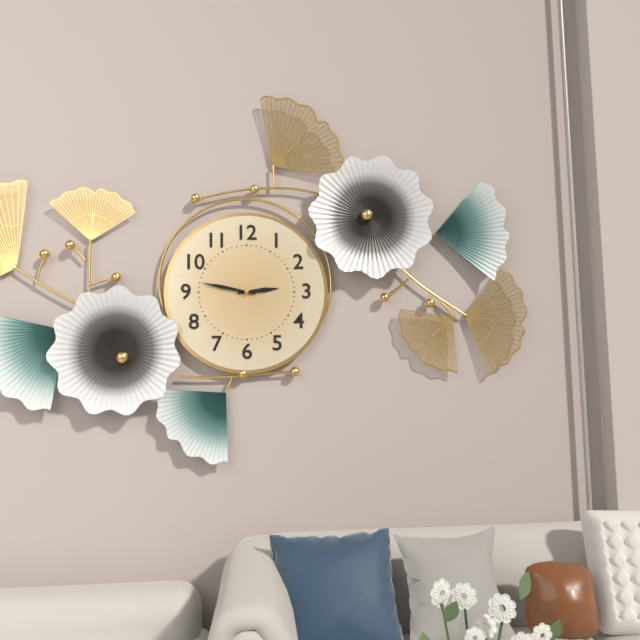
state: 2:47
